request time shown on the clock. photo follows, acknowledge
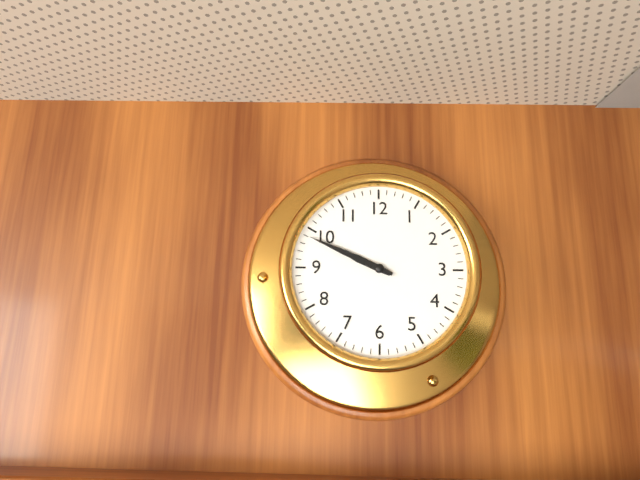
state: 9:49
